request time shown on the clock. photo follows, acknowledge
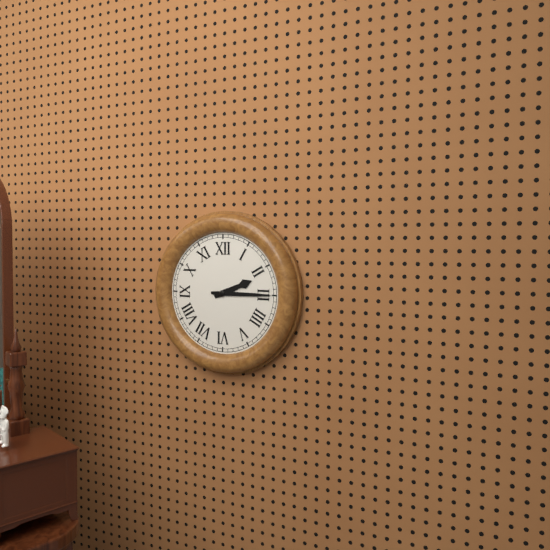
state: 2:15
